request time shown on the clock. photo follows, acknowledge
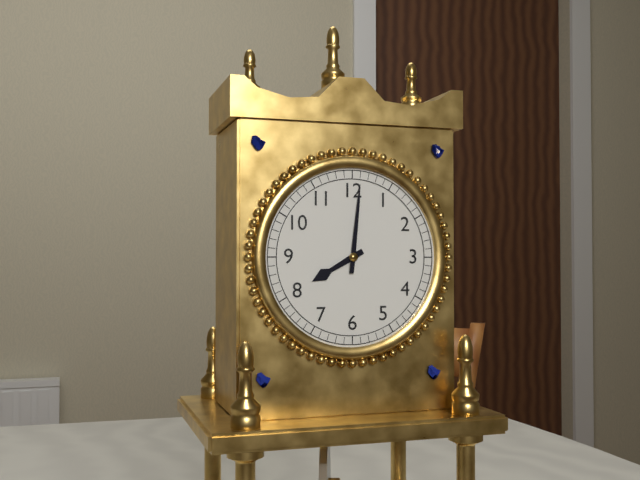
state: 8:01
